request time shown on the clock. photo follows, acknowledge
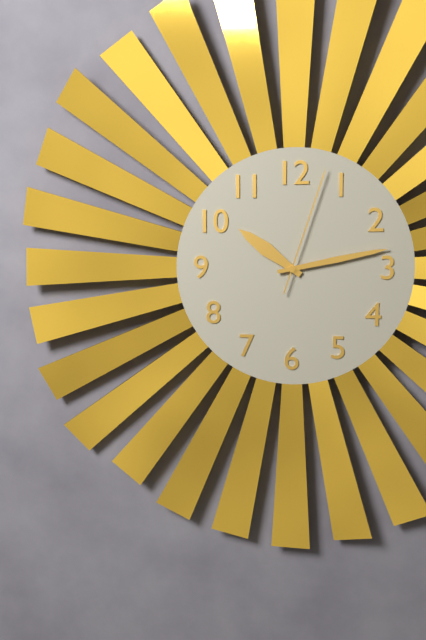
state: 10:13:03
